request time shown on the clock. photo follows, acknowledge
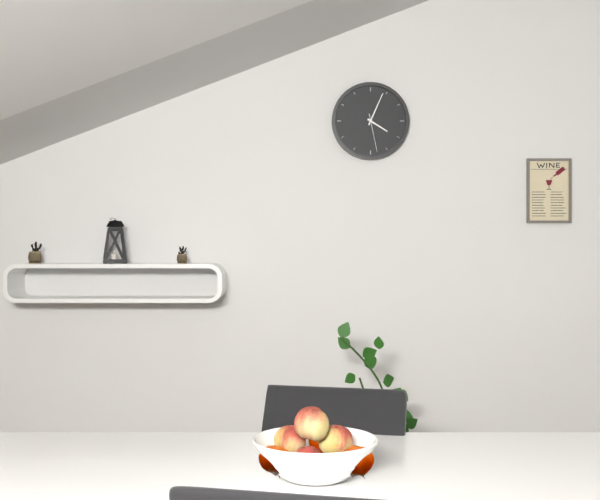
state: 4:04
